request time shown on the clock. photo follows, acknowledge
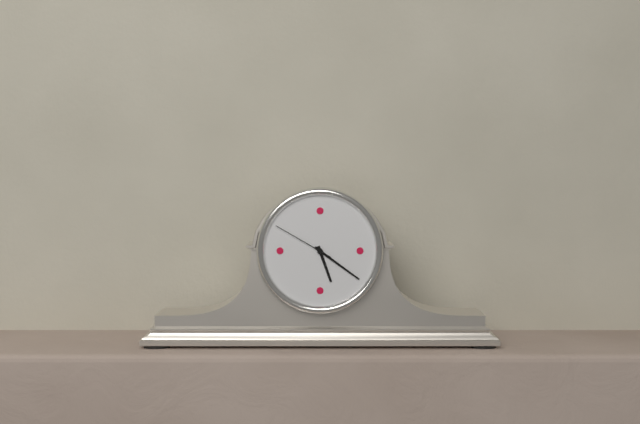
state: 5:21:50
